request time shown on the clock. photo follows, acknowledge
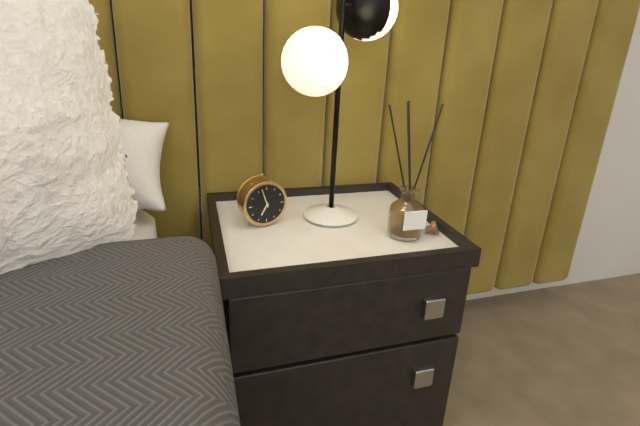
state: 6:57
